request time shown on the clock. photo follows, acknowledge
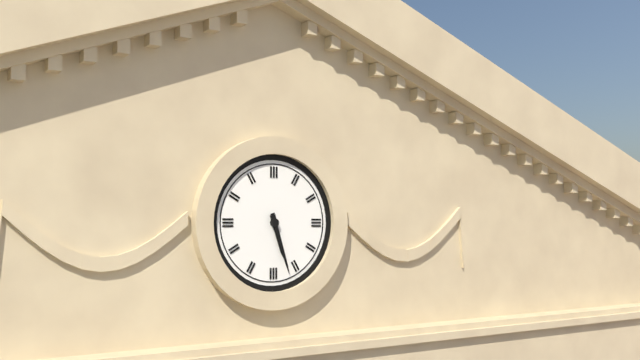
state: 5:27
